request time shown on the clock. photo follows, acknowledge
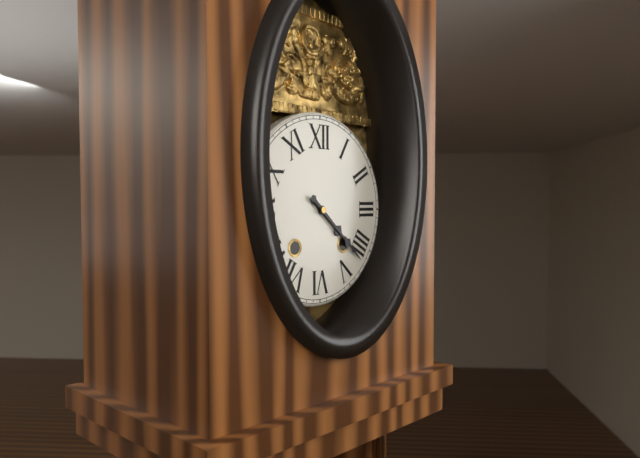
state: 4:22
